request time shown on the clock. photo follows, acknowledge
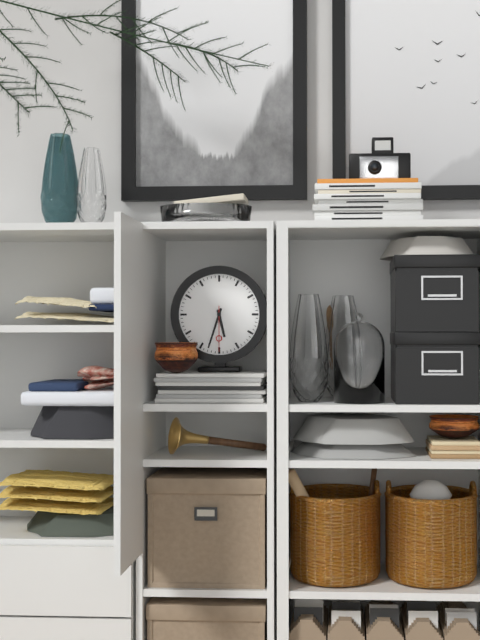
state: 5:33
